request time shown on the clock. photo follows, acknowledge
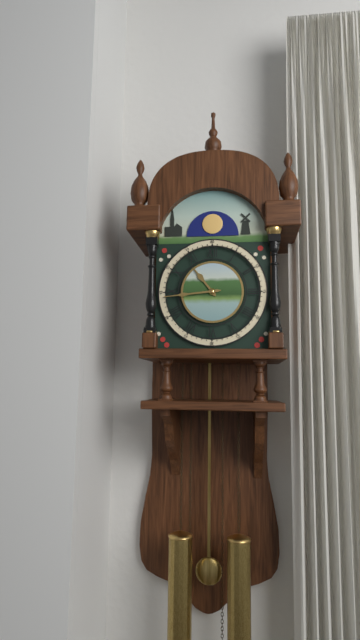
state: 10:44
